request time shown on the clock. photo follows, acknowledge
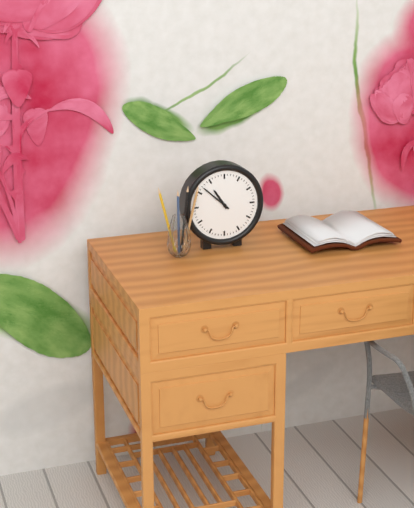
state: 10:52
